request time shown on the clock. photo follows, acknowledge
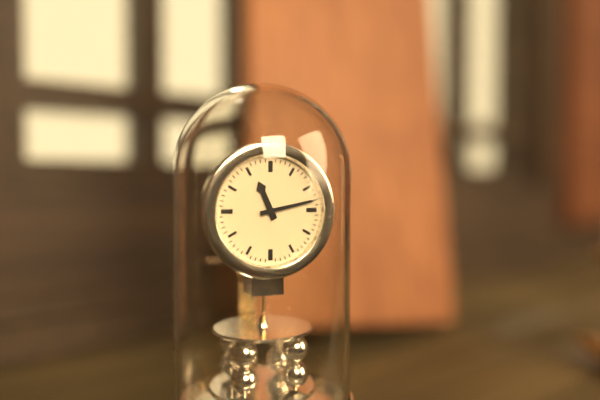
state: 11:13
